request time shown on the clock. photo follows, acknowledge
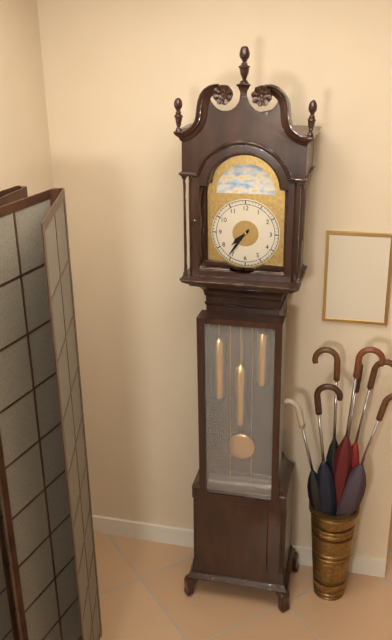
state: 7:36
